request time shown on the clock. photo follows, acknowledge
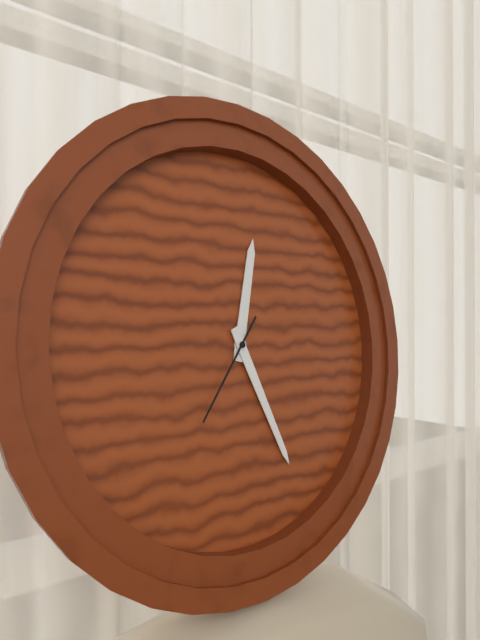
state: 12:26:36
